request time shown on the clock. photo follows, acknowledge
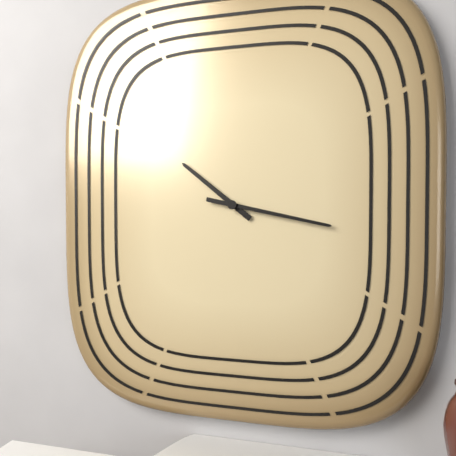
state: 10:17
